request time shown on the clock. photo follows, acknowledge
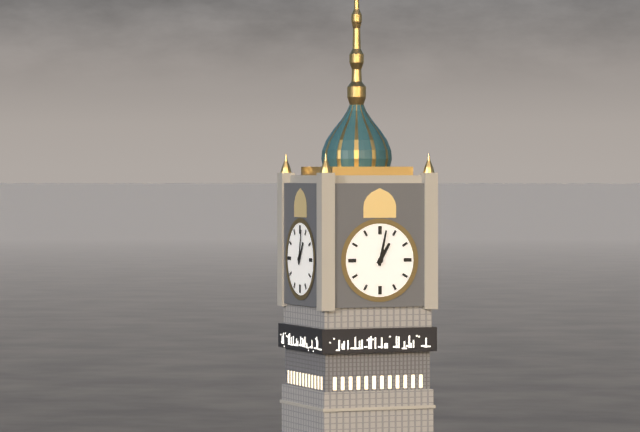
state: 1:02
